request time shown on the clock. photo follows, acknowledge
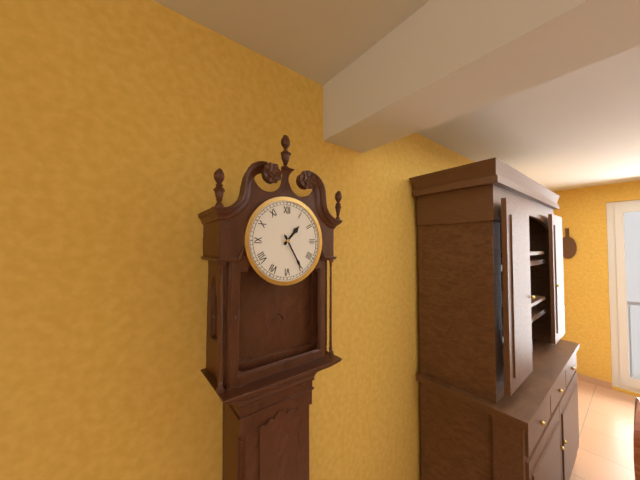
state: 1:25
